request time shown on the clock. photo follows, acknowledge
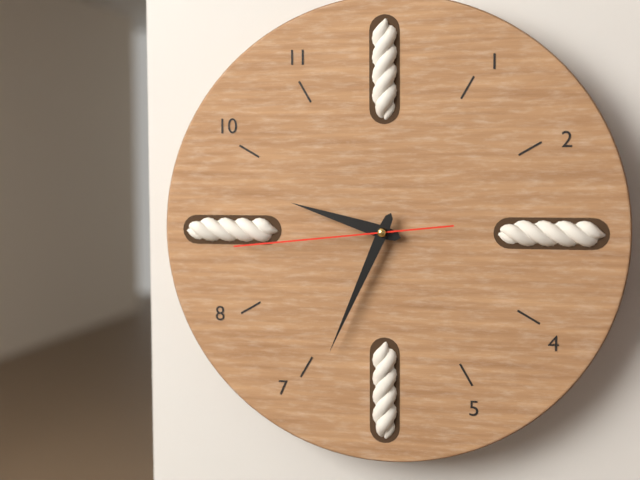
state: 9:34:44
